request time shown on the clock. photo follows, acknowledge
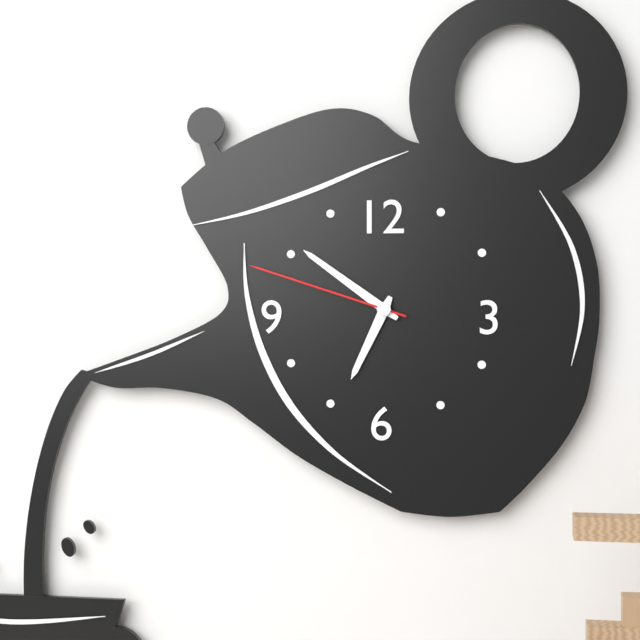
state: 6:51:48
